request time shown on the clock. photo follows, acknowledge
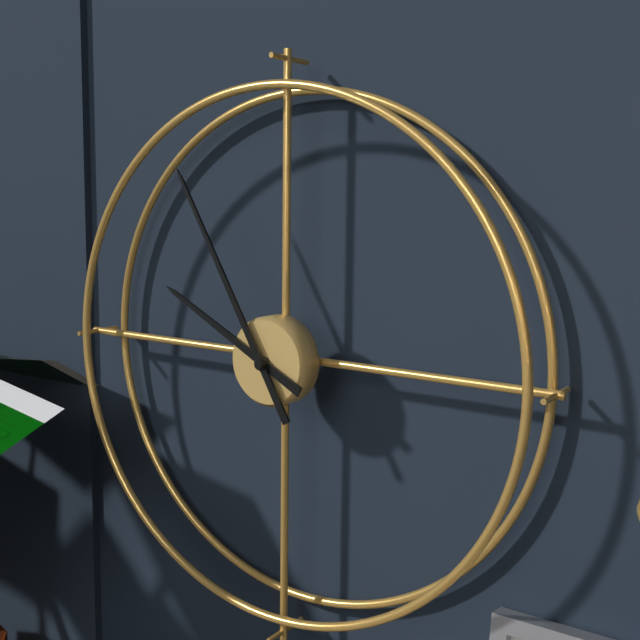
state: 9:55
